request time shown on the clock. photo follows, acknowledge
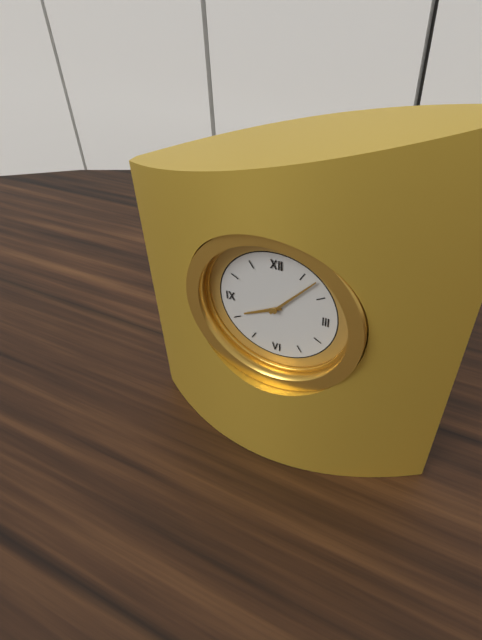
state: 8:07
